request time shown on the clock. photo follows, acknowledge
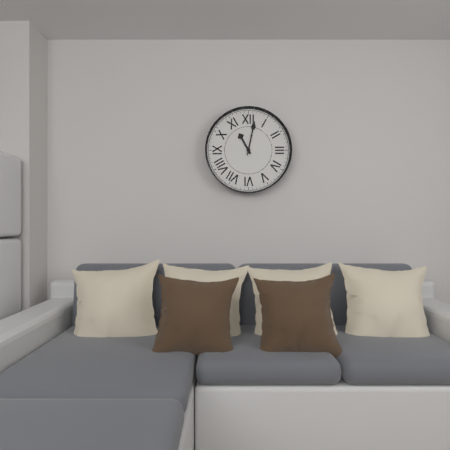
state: 11:02
